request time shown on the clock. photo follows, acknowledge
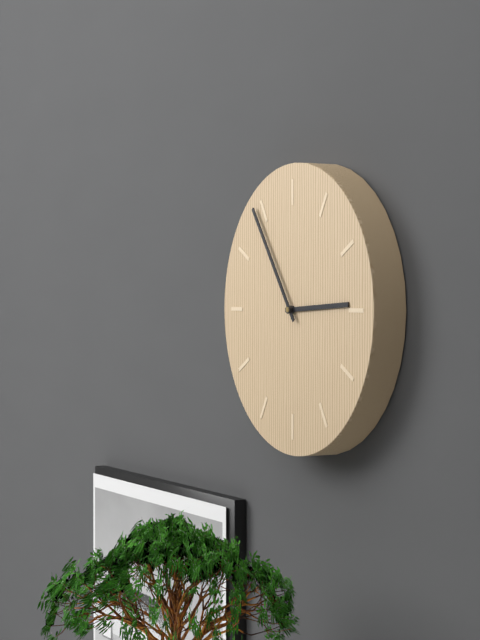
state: 2:54
